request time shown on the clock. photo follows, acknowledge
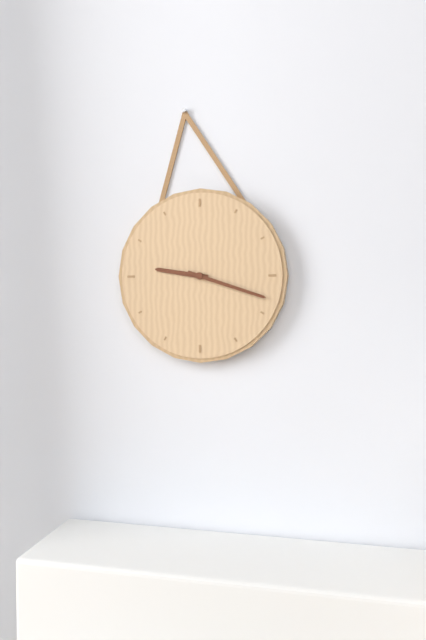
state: 9:18
